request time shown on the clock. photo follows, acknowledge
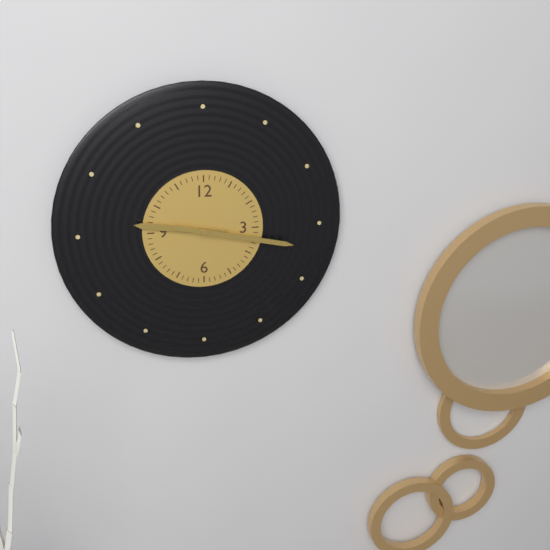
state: 9:17
